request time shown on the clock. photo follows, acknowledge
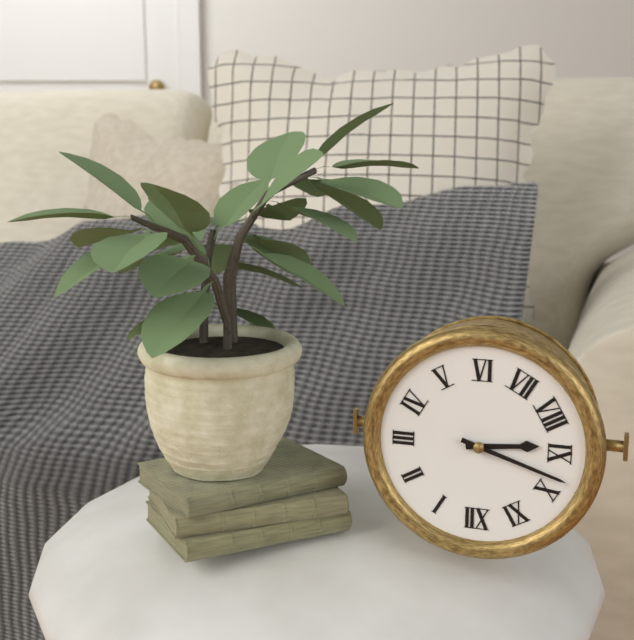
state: 8:48
